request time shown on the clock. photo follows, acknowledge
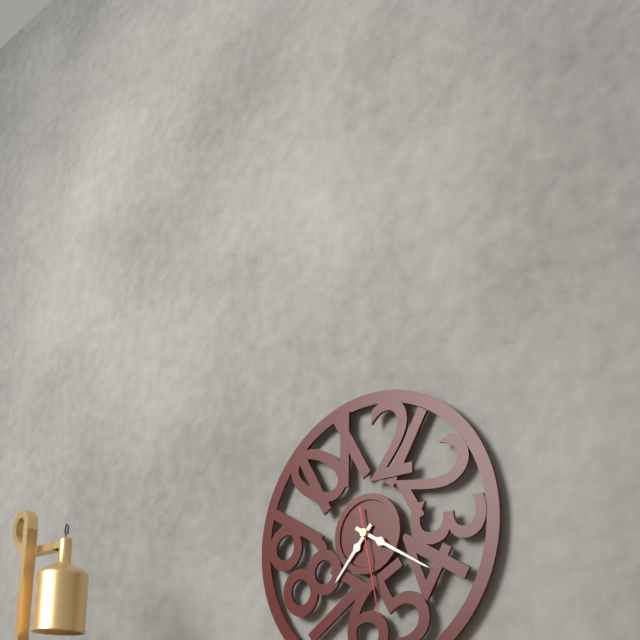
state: 7:20:28
